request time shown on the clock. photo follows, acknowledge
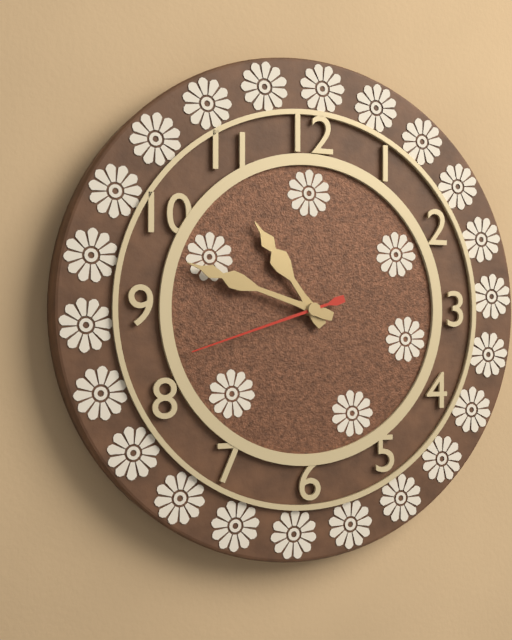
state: 10:48:42
